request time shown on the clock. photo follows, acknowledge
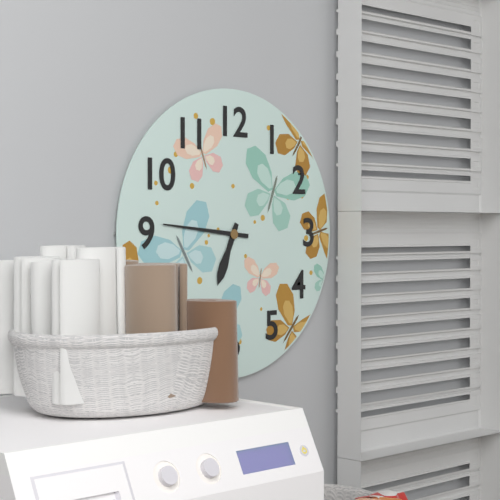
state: 6:46
